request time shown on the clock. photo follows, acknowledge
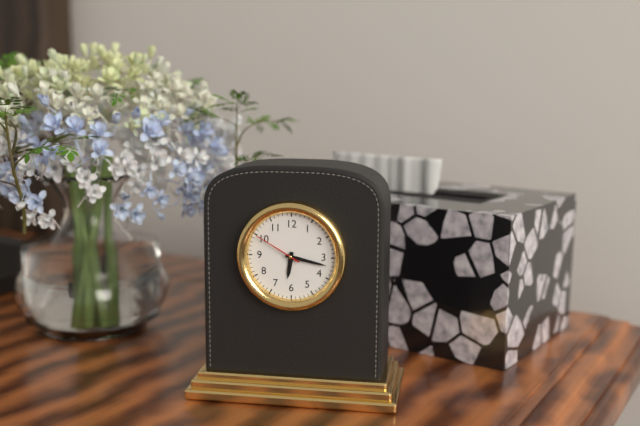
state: 6:17:50
